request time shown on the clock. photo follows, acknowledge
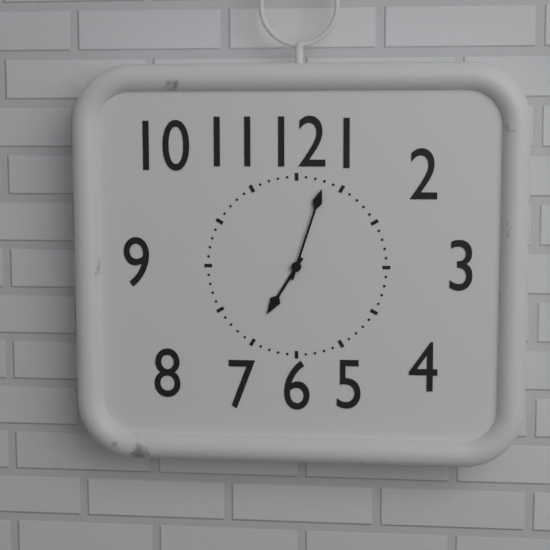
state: 7:03
